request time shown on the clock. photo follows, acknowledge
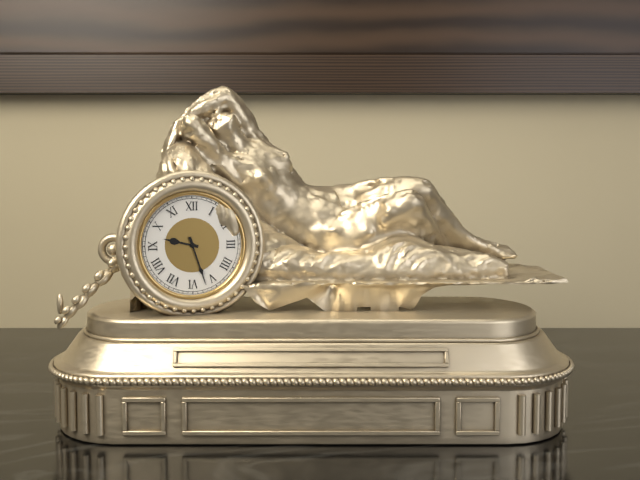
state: 9:27
